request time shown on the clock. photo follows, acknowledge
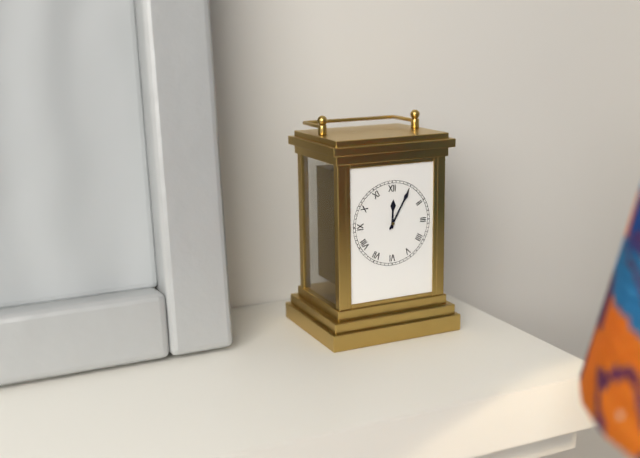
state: 12:05
